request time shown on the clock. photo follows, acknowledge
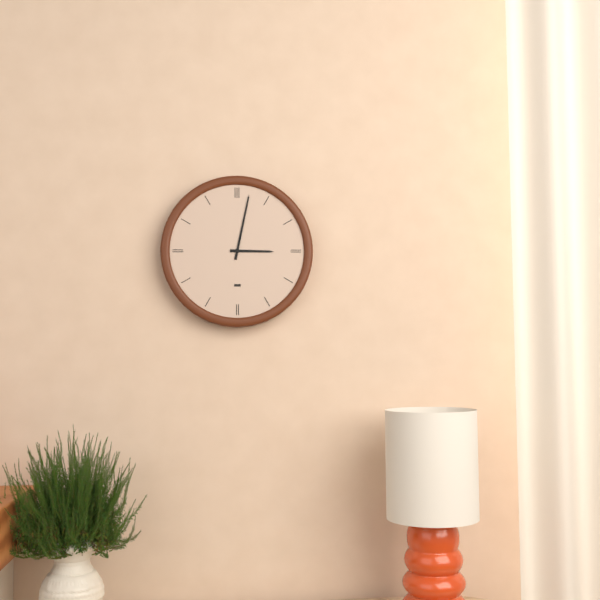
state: 3:02
